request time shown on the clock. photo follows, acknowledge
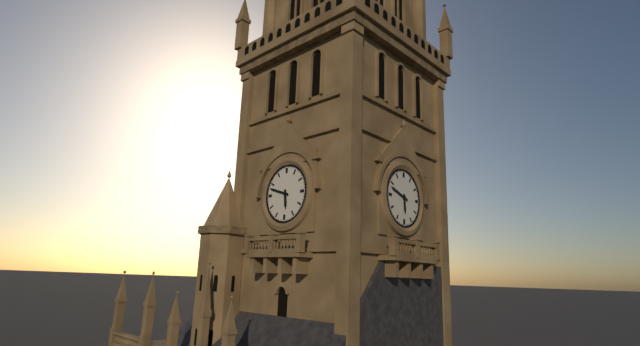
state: 5:48
